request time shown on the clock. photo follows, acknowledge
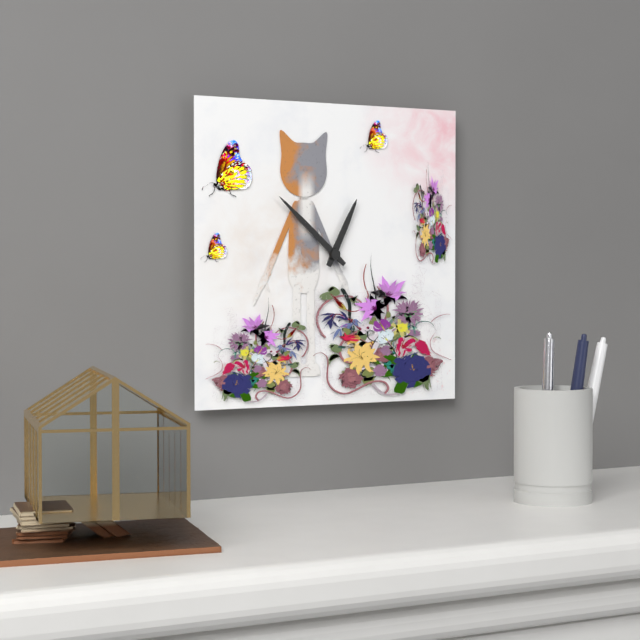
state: 12:52
